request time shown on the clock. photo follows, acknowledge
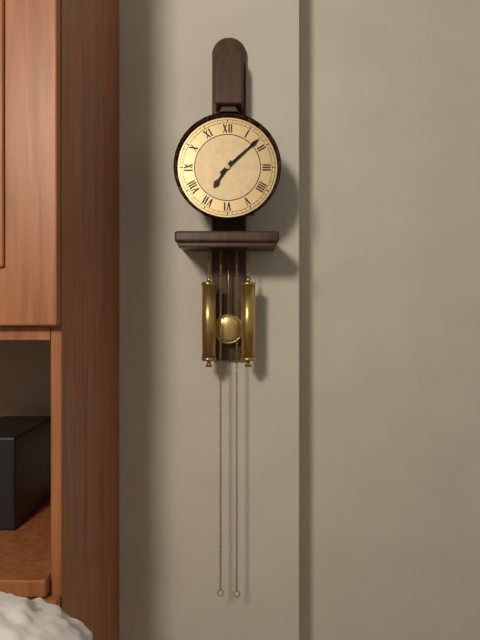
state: 7:08
